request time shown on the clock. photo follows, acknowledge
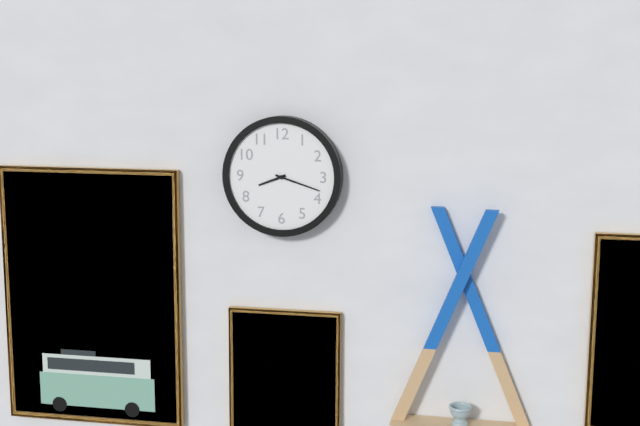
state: 8:18
